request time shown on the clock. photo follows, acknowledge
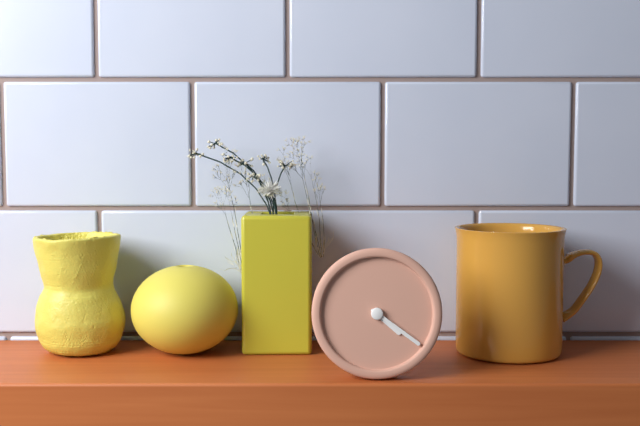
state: 4:21
